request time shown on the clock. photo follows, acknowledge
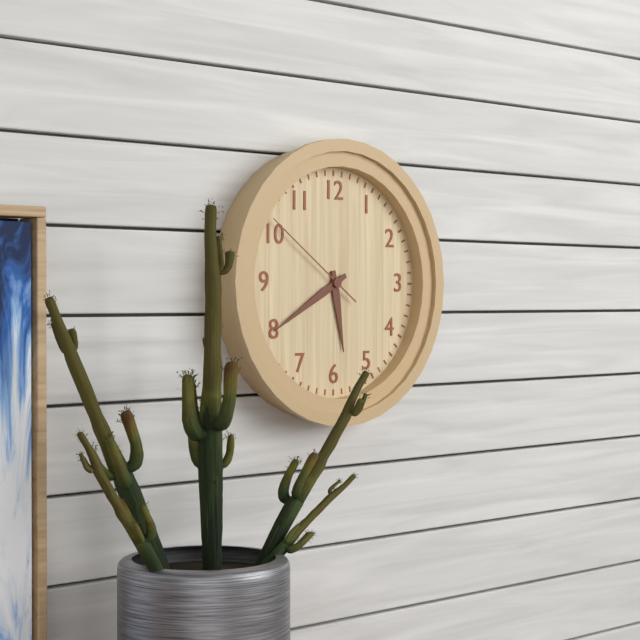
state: 5:40:51
